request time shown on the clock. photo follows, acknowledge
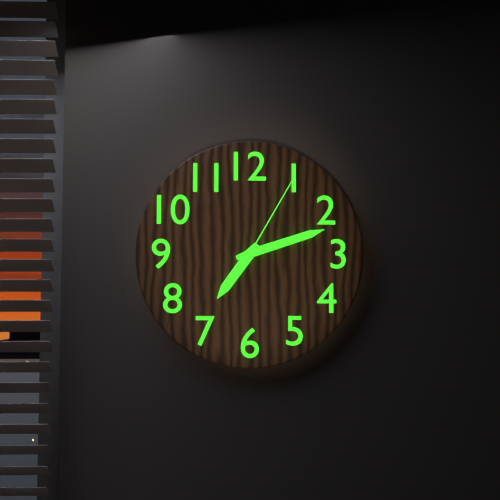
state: 7:12:05
